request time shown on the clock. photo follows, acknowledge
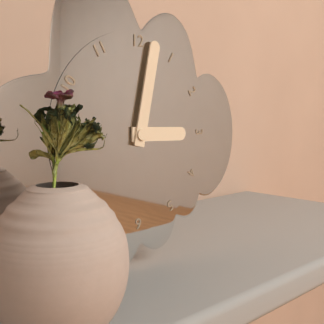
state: 3:02
